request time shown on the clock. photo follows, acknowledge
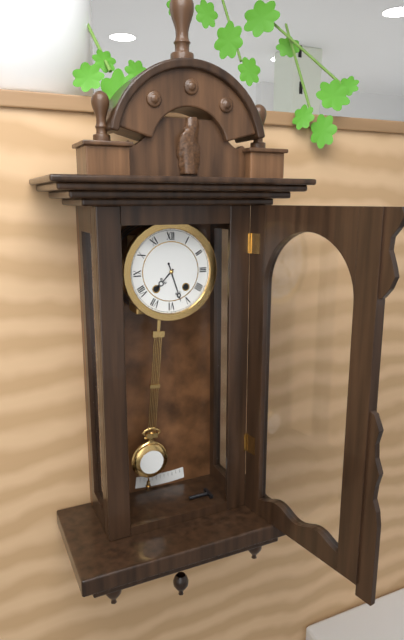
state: 7:27
